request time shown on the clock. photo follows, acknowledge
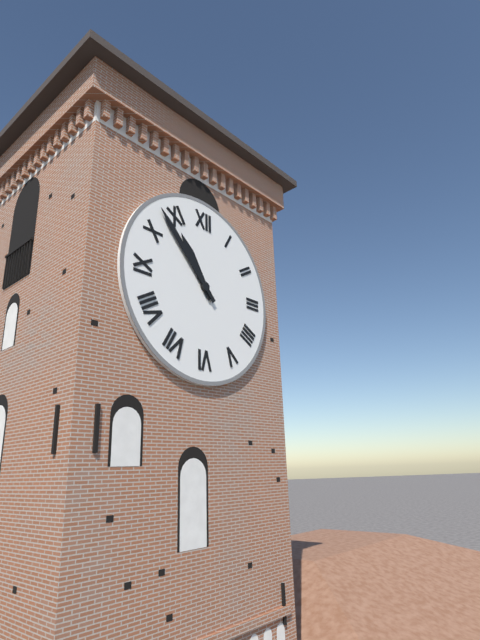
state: 10:53
